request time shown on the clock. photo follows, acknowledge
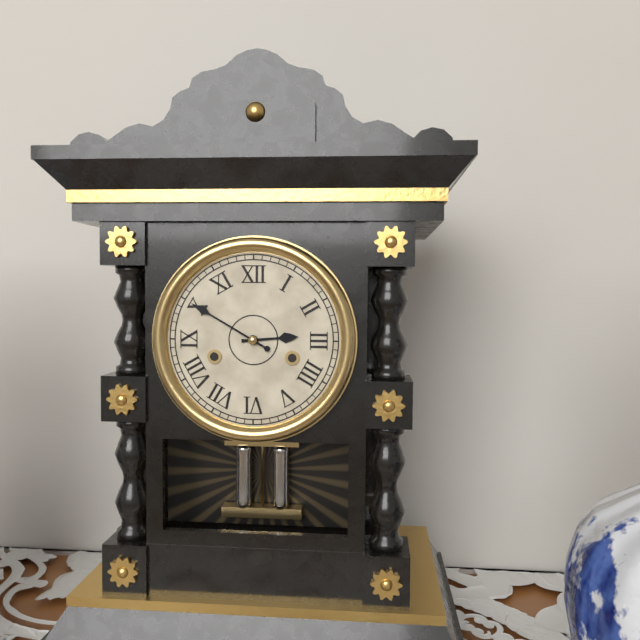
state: 2:50
